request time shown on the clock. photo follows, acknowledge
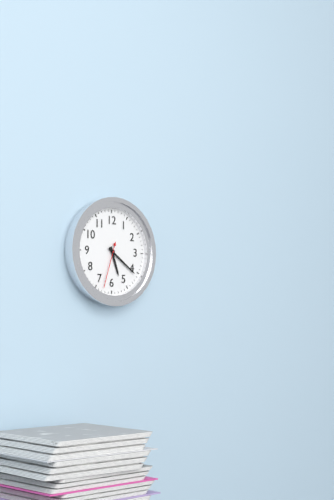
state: 5:21
